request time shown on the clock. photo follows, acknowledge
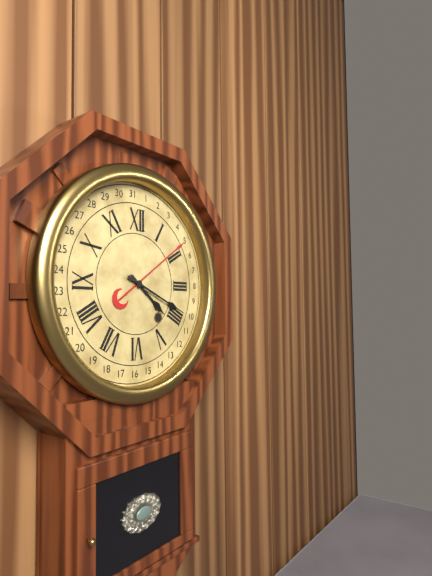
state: 4:19
